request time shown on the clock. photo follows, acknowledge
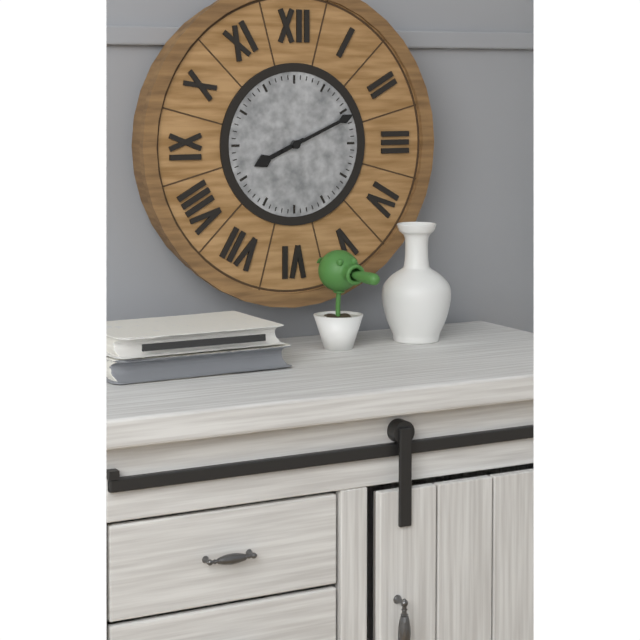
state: 8:11
